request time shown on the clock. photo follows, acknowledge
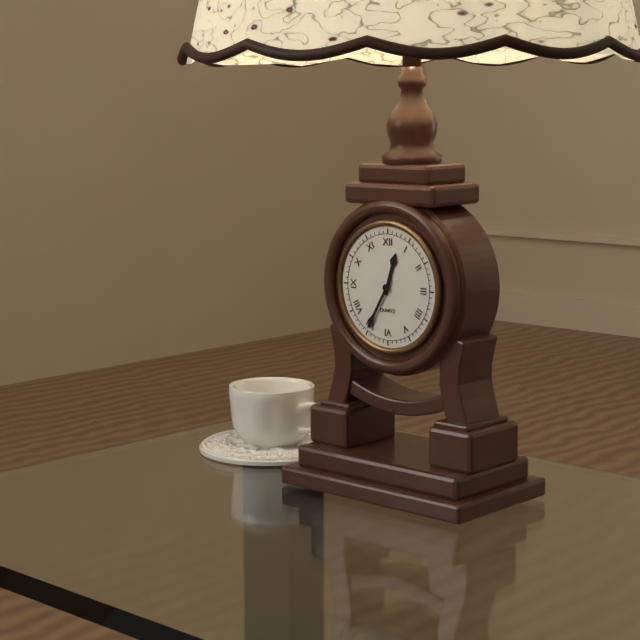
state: 12:35
